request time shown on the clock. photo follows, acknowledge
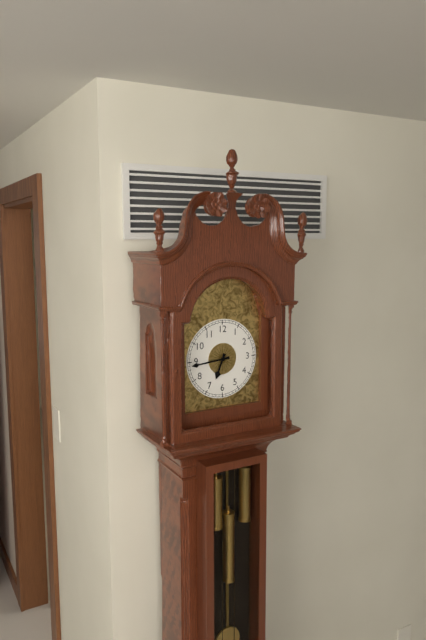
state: 6:44
